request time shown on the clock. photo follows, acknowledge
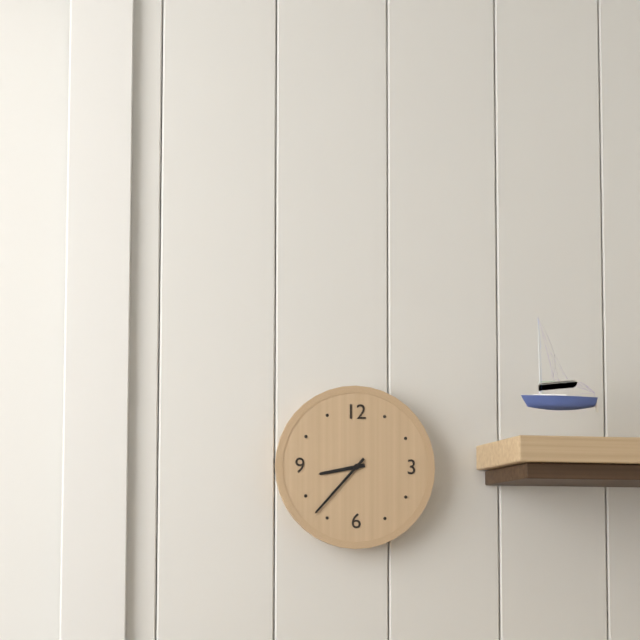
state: 8:37
